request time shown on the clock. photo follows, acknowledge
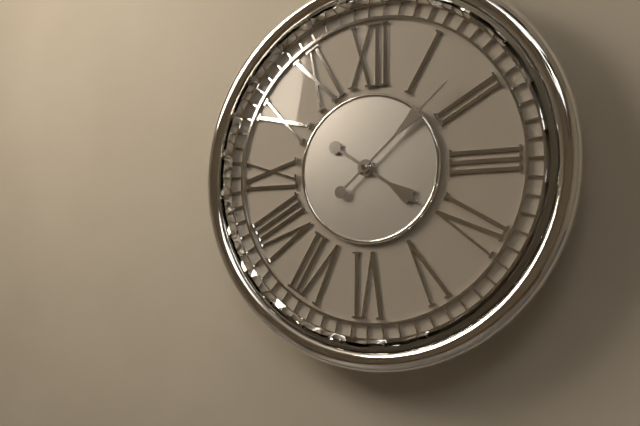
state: 4:08
